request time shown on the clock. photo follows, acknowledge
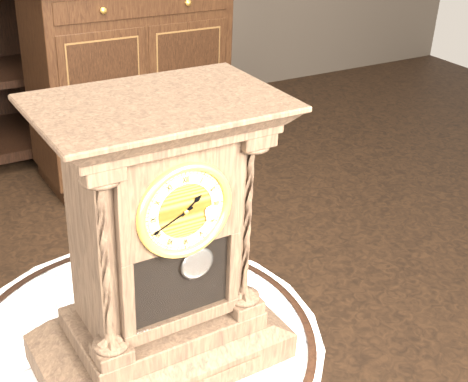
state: 1:41
